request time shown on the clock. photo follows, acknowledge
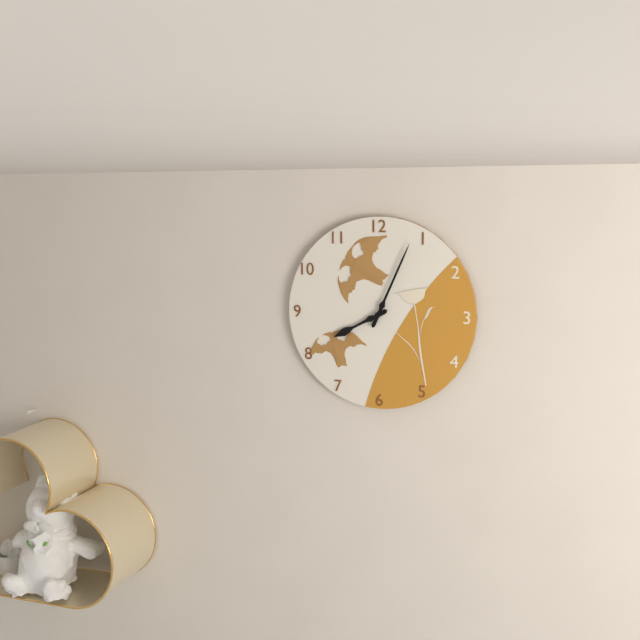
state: 8:04
